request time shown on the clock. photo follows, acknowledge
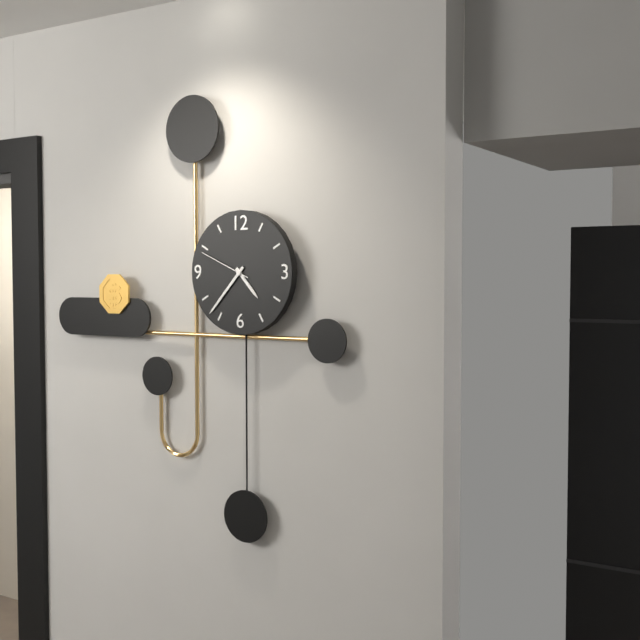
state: 4:37:49
